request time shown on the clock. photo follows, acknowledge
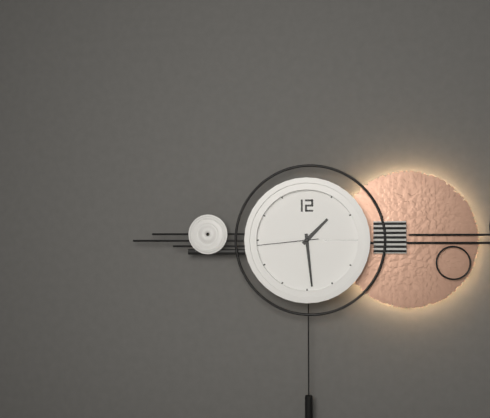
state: 1:29:44
